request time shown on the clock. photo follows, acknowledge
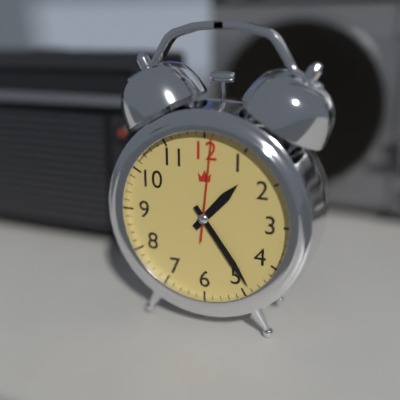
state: 1:24:01
